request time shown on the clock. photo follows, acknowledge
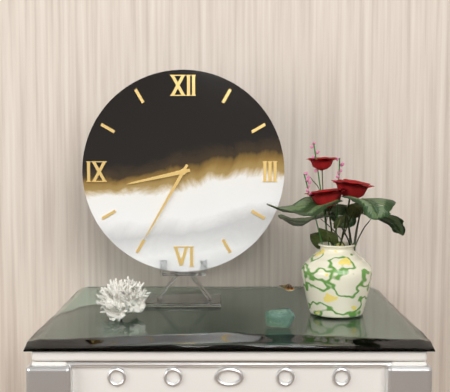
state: 8:35
